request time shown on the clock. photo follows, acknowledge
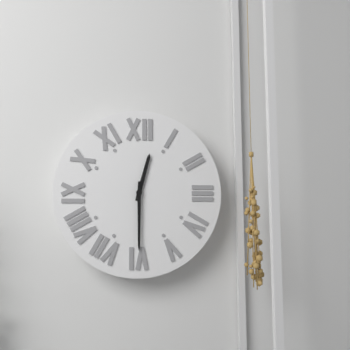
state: 12:30
